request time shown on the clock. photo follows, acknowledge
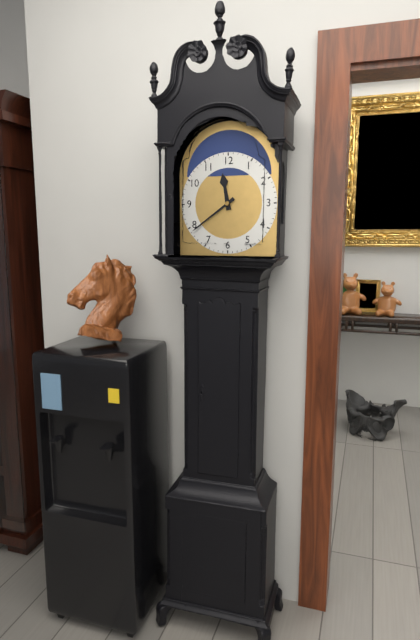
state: 11:39
